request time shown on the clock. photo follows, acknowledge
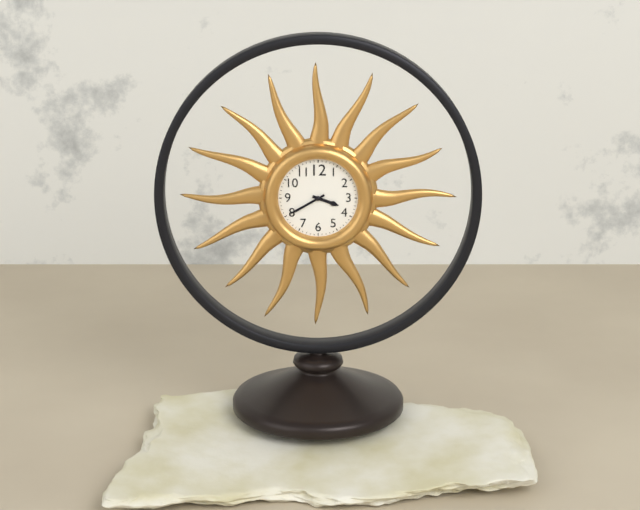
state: 3:40
